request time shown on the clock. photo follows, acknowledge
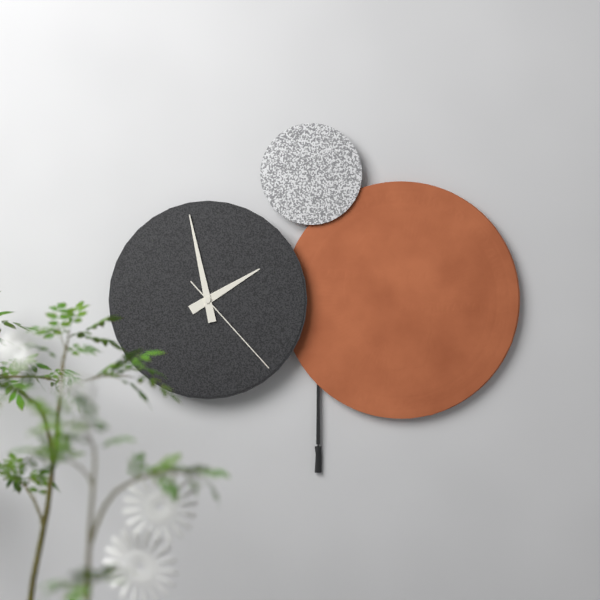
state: 1:58:23
